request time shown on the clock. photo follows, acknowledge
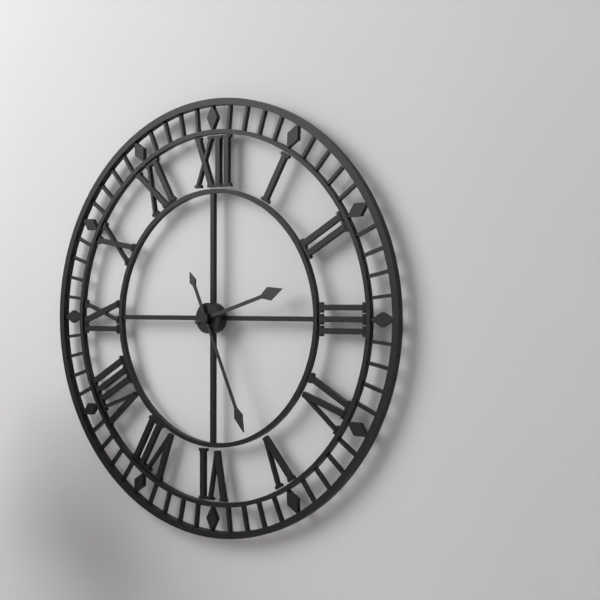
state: 2:26
